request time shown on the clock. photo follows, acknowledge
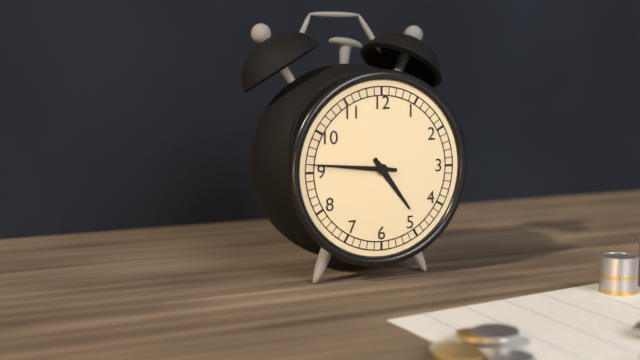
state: 4:46
